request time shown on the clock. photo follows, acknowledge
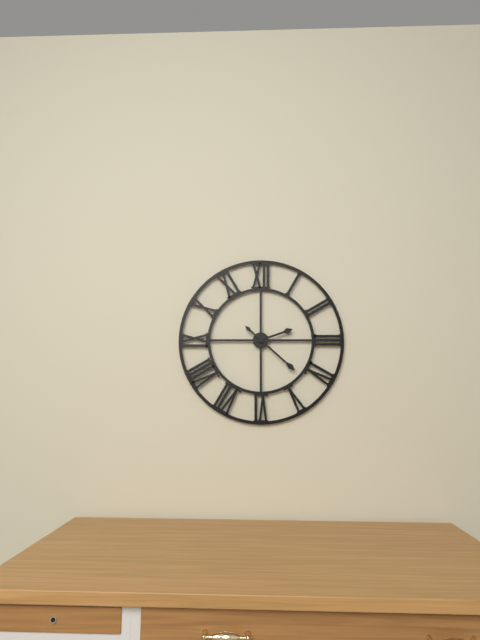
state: 2:22
